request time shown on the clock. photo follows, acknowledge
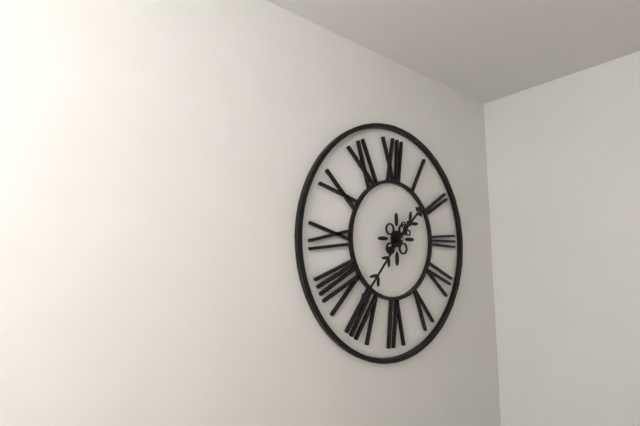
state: 1:37
